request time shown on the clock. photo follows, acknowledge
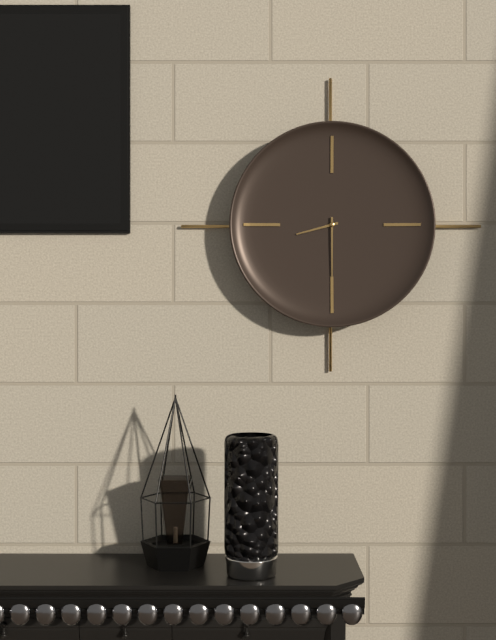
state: 8:30
